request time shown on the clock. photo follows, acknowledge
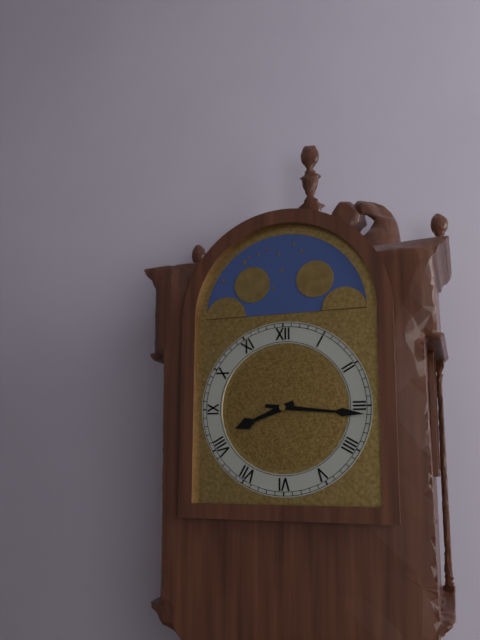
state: 8:16
